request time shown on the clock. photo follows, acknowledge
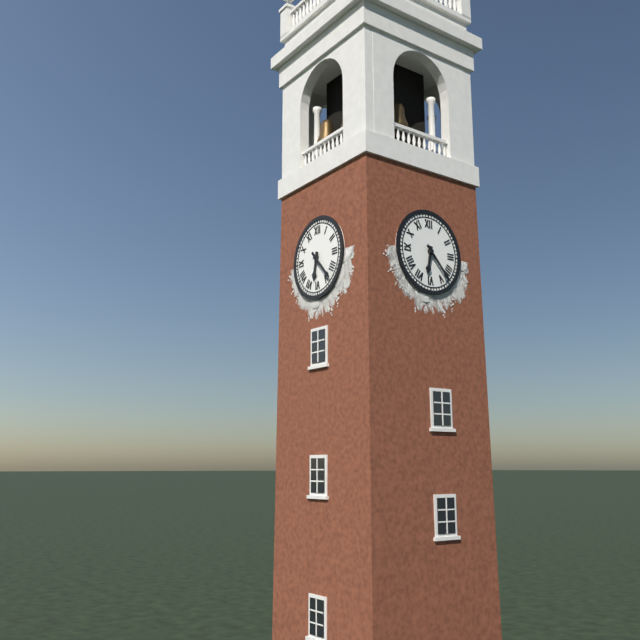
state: 6:23
